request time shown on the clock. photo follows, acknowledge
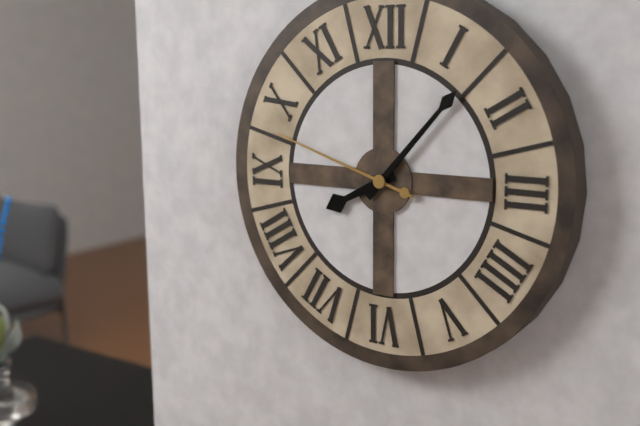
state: 8:07:48
